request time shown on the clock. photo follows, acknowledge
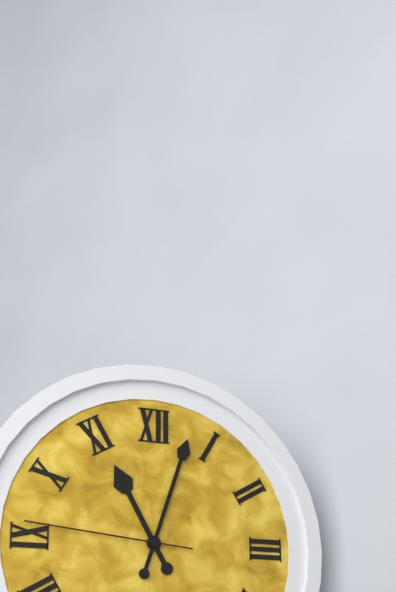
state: 11:03:46
